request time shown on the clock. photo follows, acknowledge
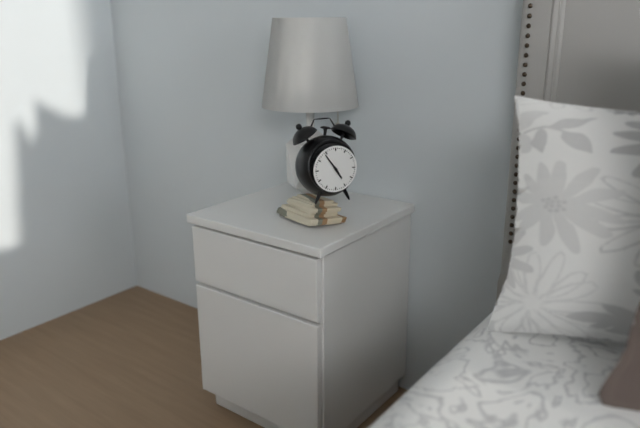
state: 4:54
